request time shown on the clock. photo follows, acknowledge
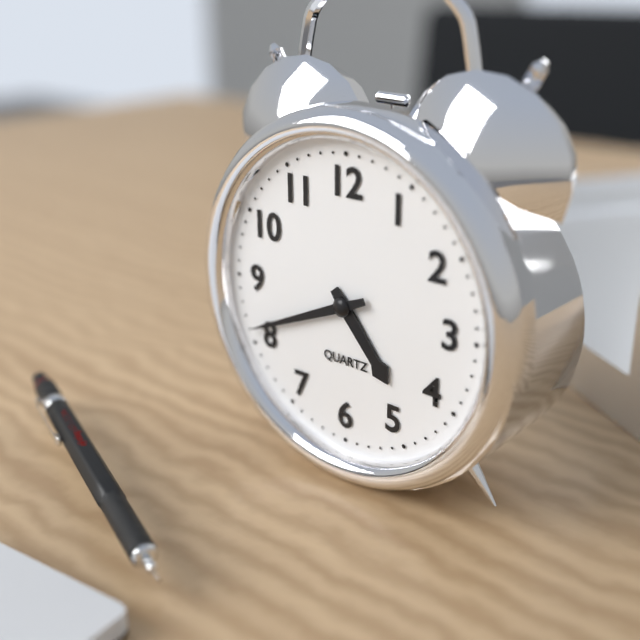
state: 4:41
